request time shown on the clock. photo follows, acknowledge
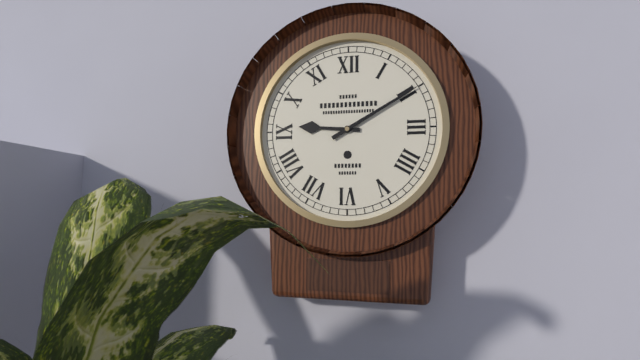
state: 9:10
